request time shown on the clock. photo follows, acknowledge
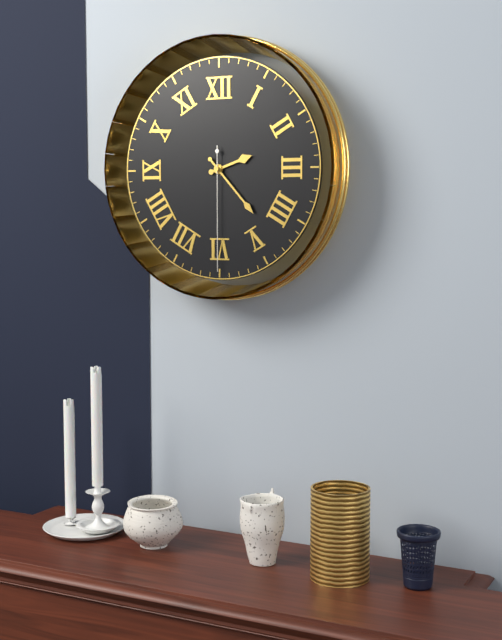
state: 2:23:30
